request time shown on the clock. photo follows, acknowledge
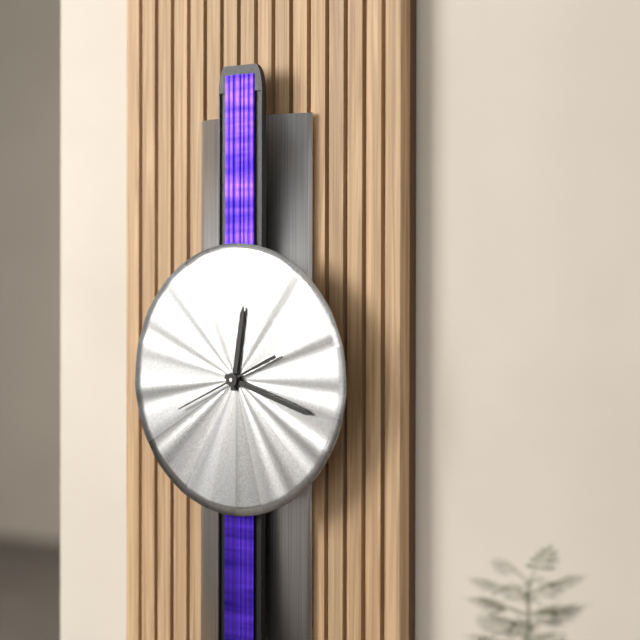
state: 12:18:41
